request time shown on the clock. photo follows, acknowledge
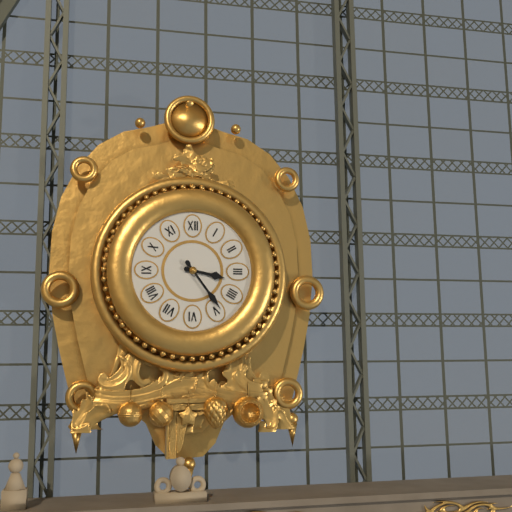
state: 3:24
